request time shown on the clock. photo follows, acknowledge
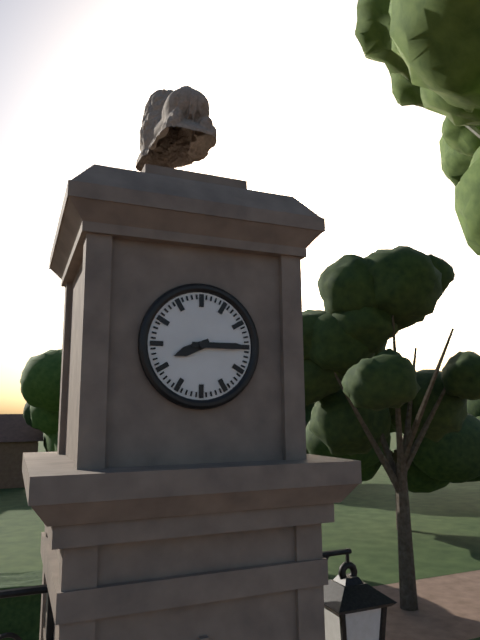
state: 8:15
